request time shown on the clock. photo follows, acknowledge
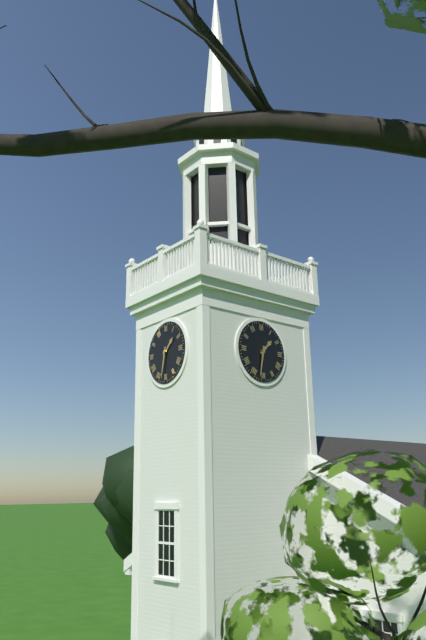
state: 1:32
